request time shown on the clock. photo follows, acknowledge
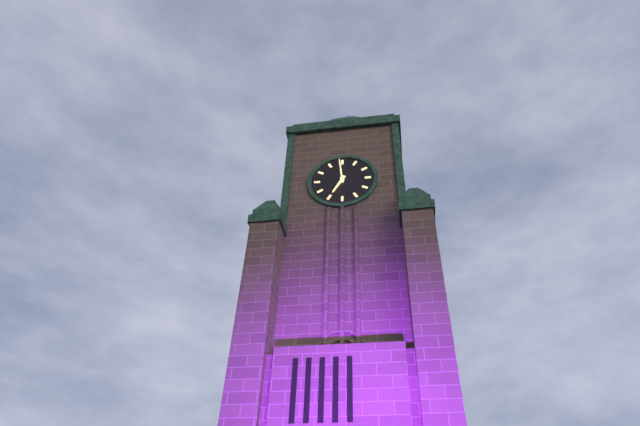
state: 6:59
